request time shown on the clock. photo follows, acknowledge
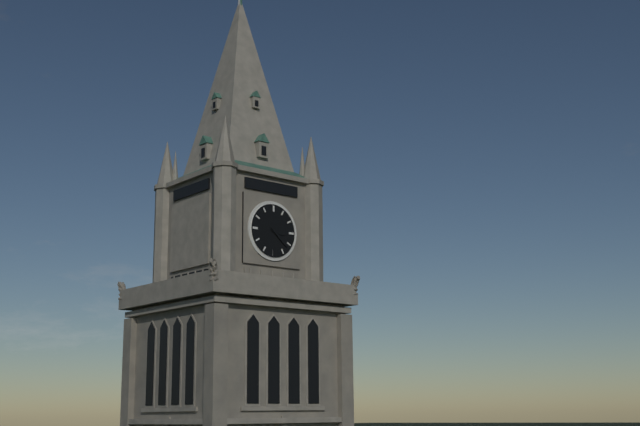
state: 3:22
